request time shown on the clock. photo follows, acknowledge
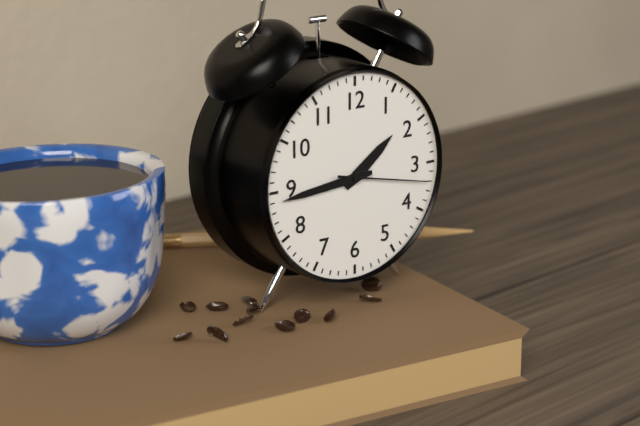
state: 1:44:17
